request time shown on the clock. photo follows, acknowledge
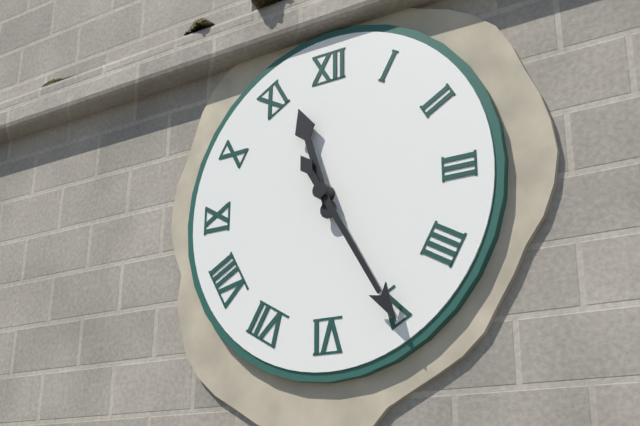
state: 11:25
